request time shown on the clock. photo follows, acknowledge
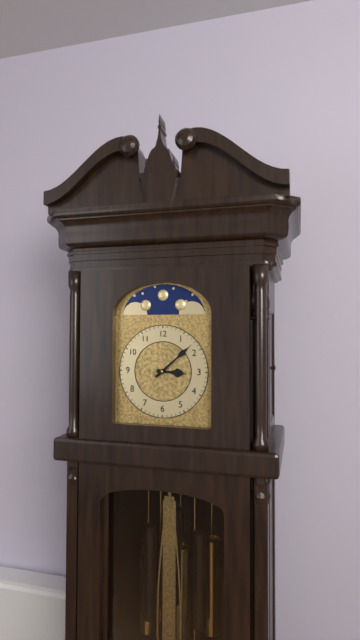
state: 3:08
